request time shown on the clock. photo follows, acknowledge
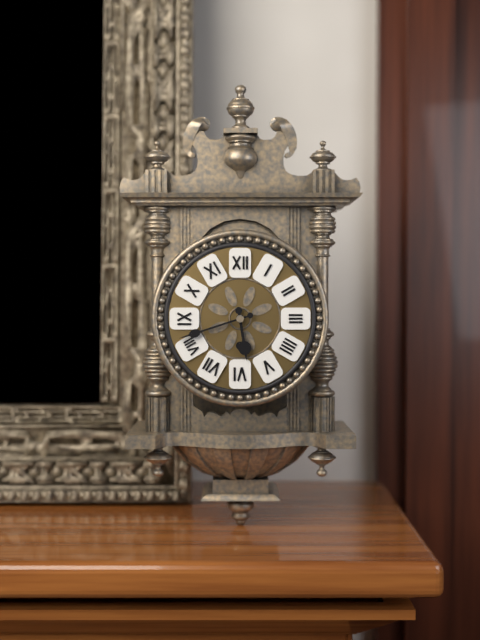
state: 5:42
